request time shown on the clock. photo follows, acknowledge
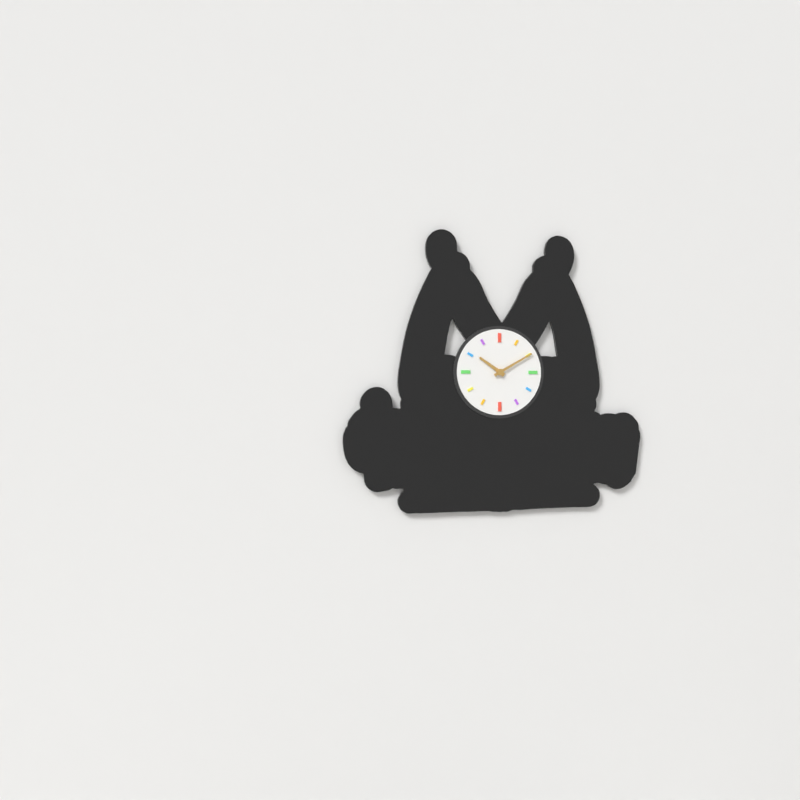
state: 10:10
